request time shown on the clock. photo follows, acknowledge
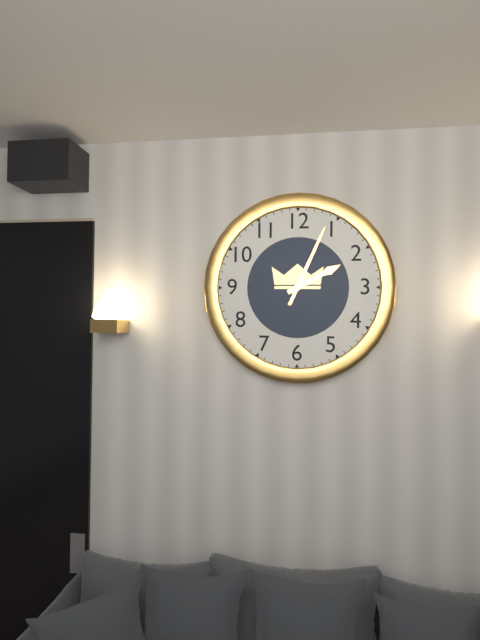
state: 2:04
